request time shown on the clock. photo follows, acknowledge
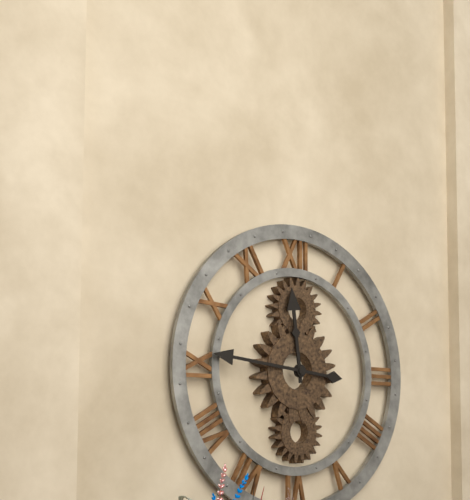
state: 11:46
